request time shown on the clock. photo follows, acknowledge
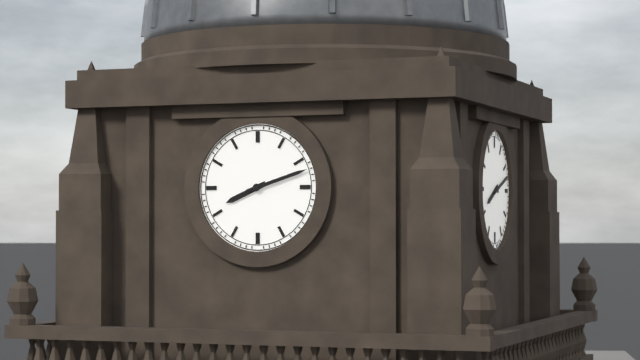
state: 8:12
